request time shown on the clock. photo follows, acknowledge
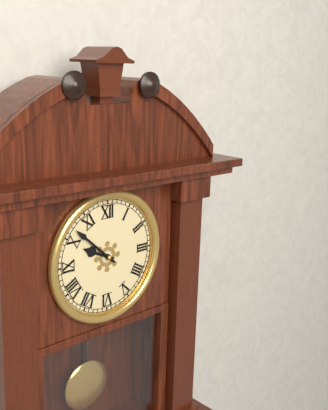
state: 9:52
